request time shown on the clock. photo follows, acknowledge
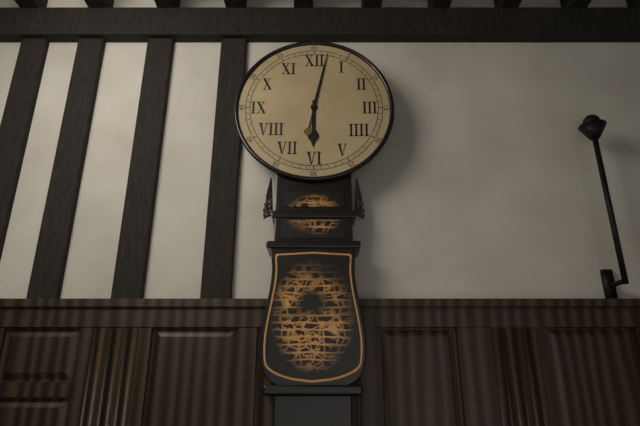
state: 6:02
